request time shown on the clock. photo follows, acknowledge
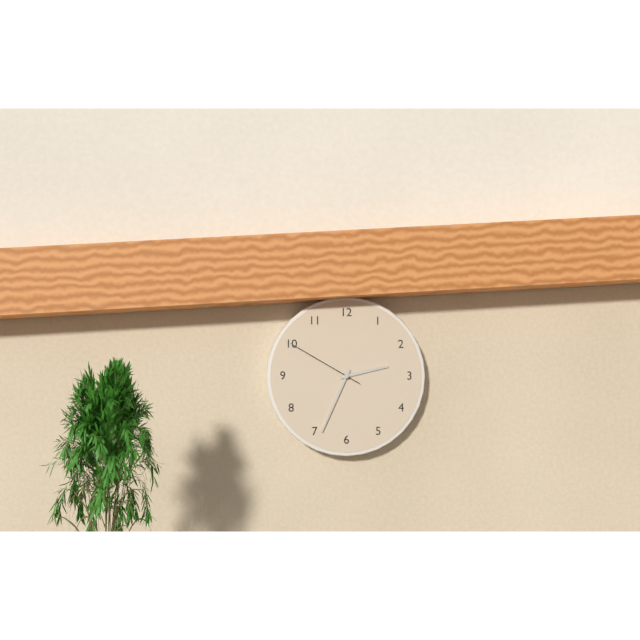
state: 2:34:50
